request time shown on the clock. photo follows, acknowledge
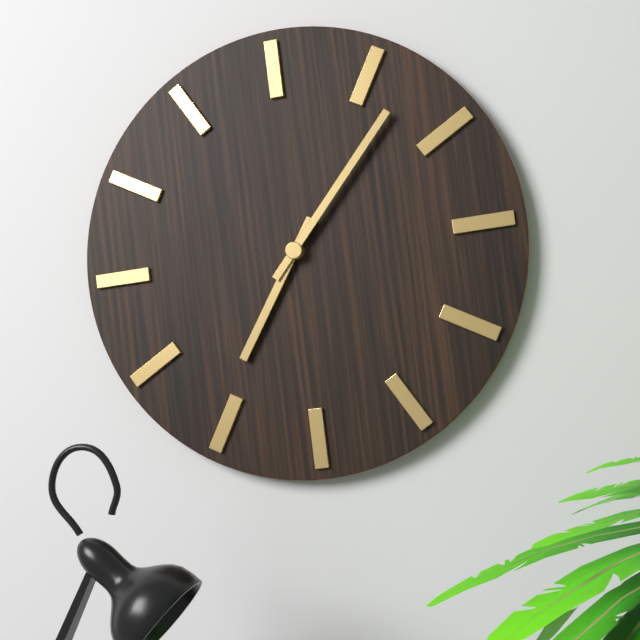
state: 7:07
